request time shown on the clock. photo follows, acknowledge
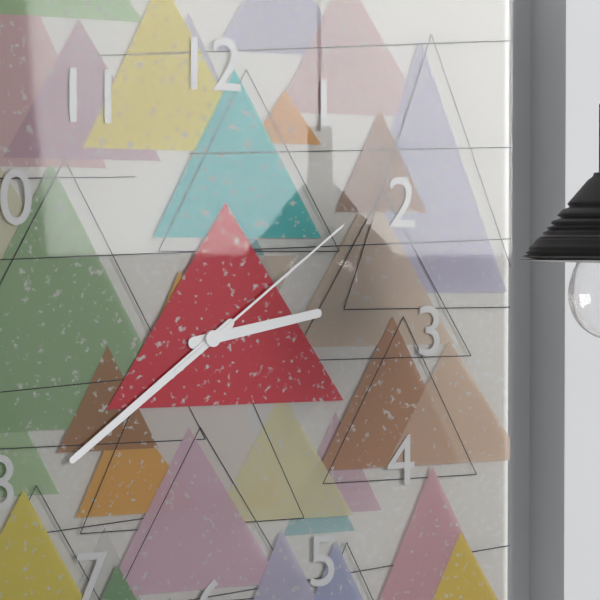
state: 2:39:09
